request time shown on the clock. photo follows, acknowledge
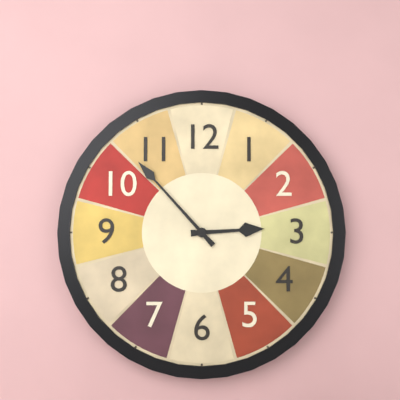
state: 2:53
